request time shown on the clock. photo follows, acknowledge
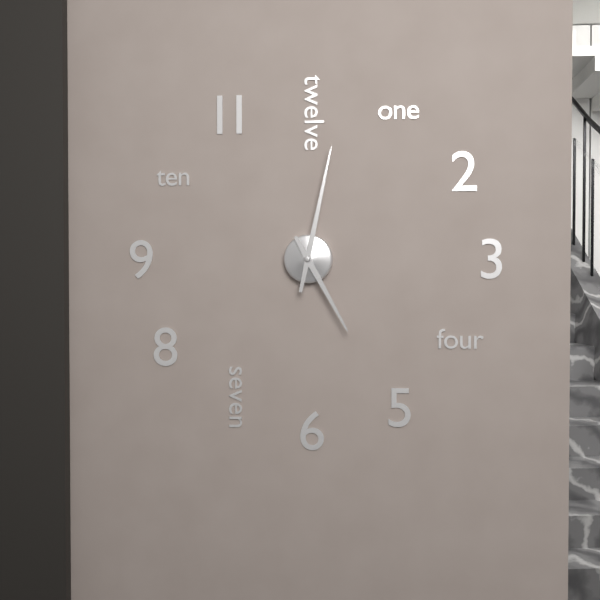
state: 5:02
